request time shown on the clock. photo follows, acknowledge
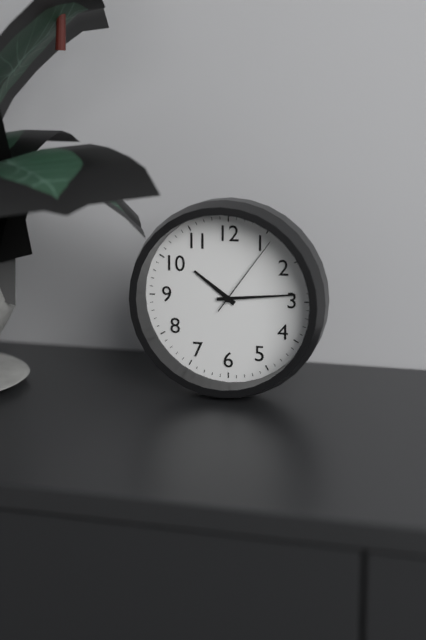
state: 10:14:06
